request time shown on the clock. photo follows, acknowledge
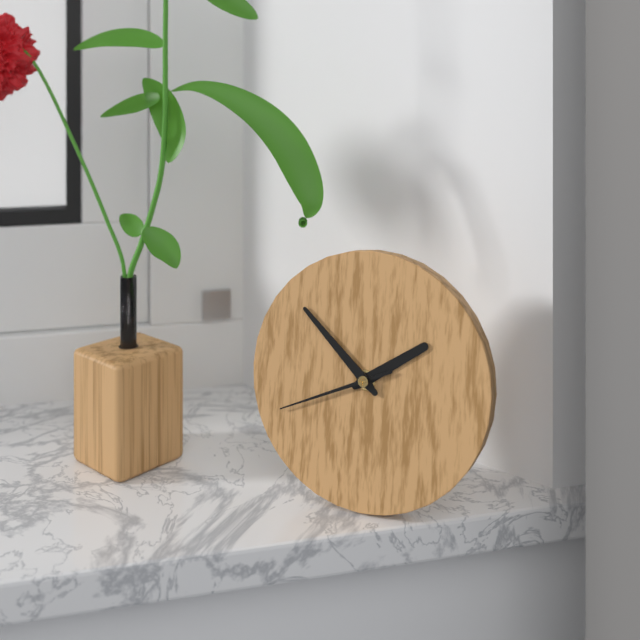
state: 1:52:41
